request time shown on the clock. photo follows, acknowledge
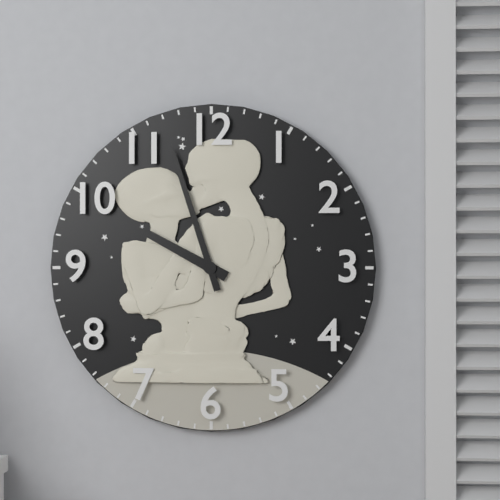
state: 9:57
